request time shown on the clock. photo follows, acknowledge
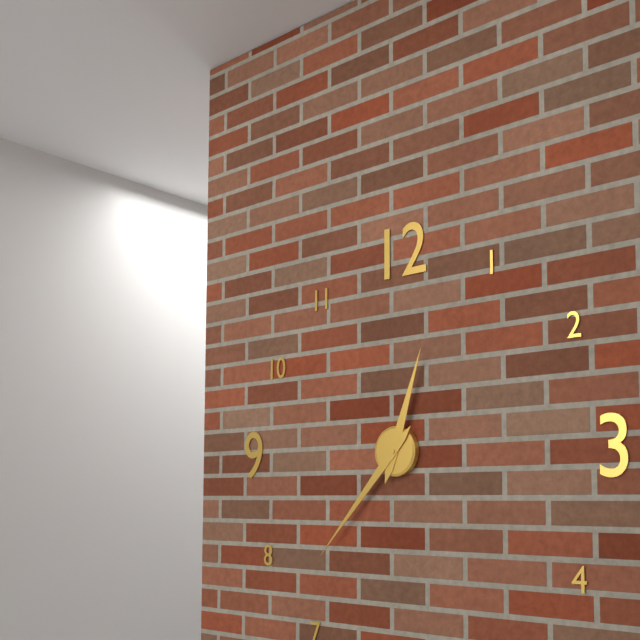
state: 12:37
